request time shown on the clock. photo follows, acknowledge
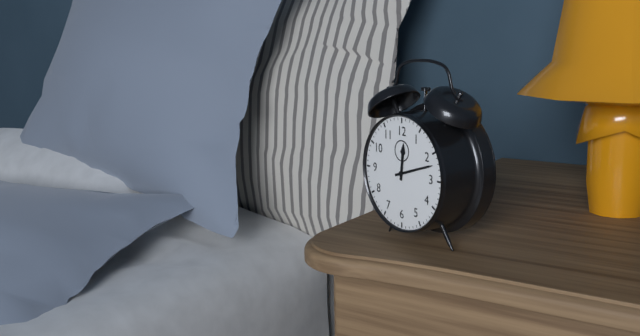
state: 12:12
